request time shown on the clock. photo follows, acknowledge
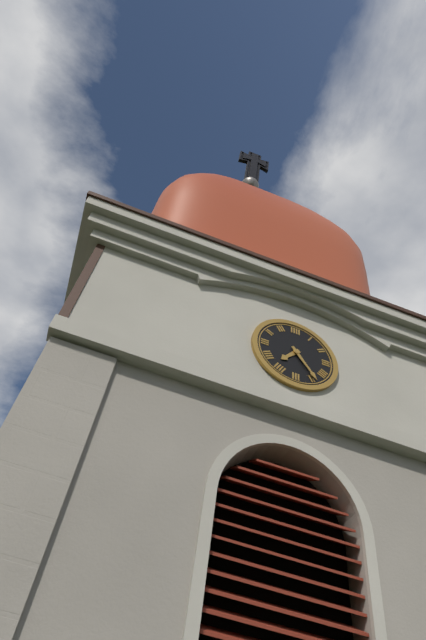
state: 7:24
